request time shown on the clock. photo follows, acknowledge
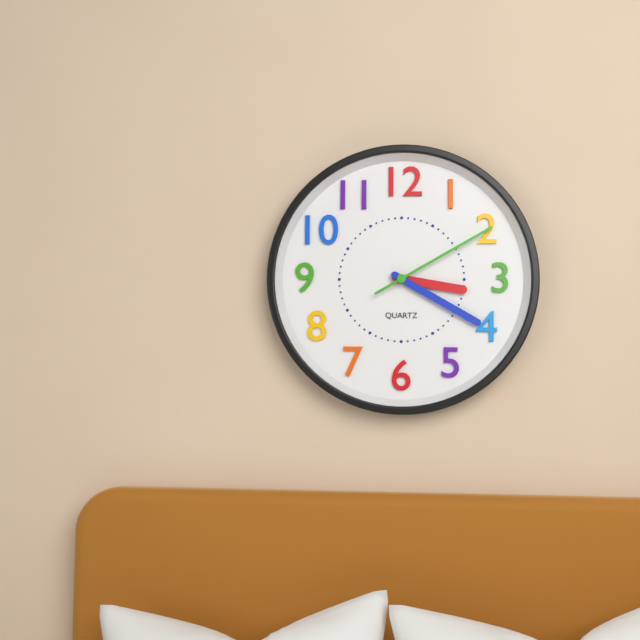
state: 3:20:10
